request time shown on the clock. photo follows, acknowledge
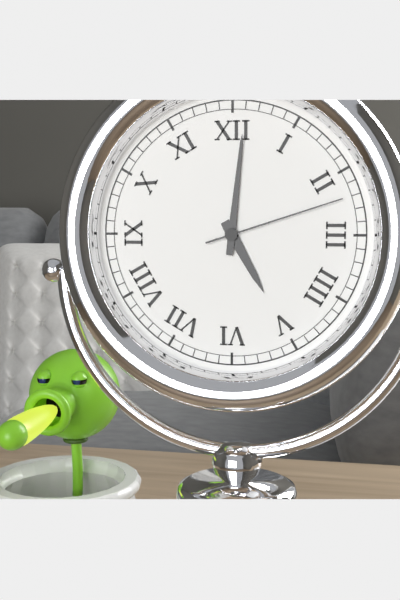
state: 5:01:12
